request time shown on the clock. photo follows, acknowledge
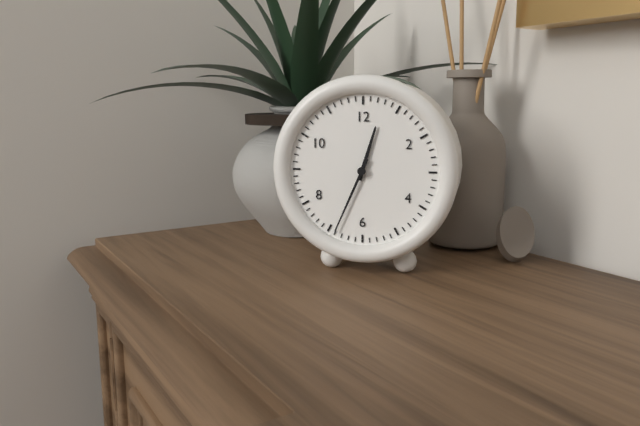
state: 12:34
